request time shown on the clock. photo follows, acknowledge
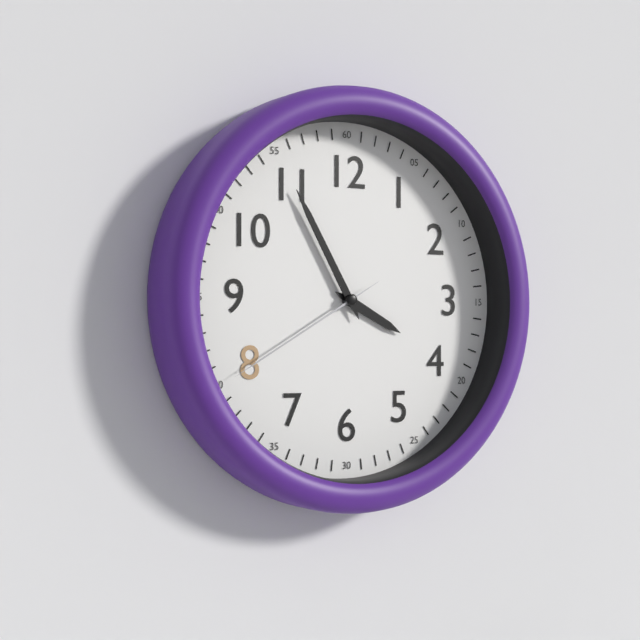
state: 3:55:40
